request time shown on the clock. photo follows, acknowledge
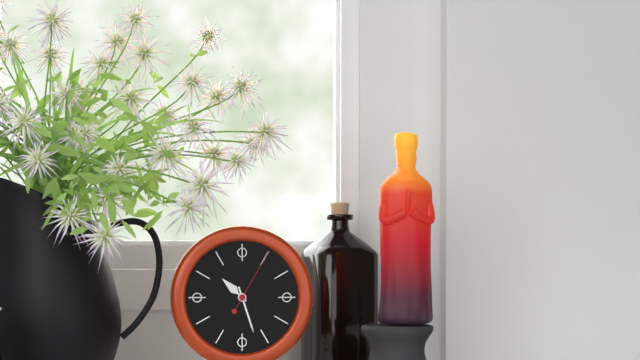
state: 10:27:05
